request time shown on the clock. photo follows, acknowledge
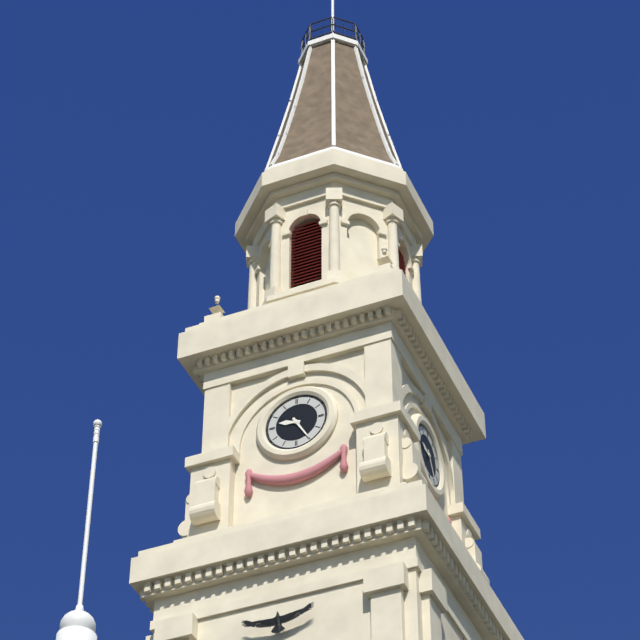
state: 9:25
